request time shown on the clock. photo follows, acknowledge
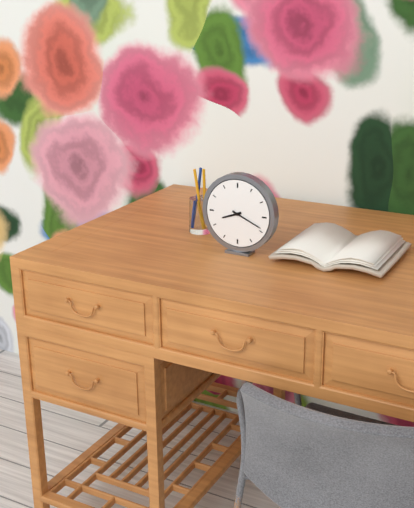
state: 8:19
